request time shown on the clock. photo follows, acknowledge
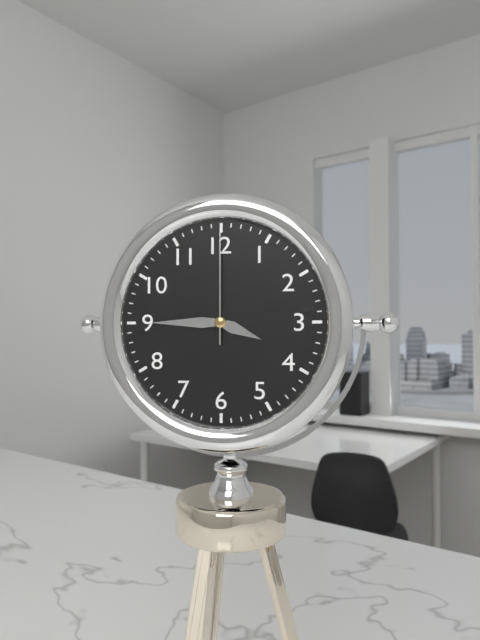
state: 3:45:00
